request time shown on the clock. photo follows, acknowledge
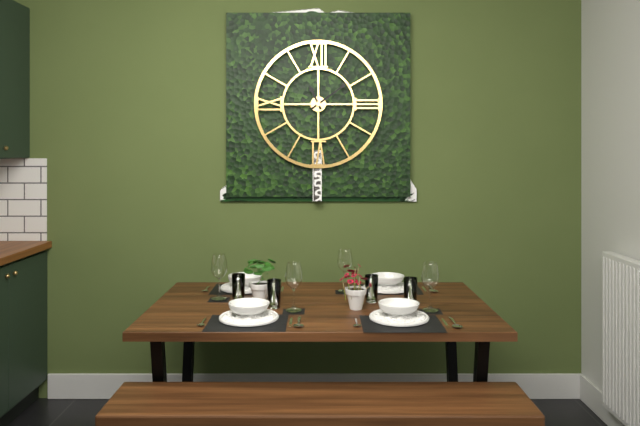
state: 11:09
